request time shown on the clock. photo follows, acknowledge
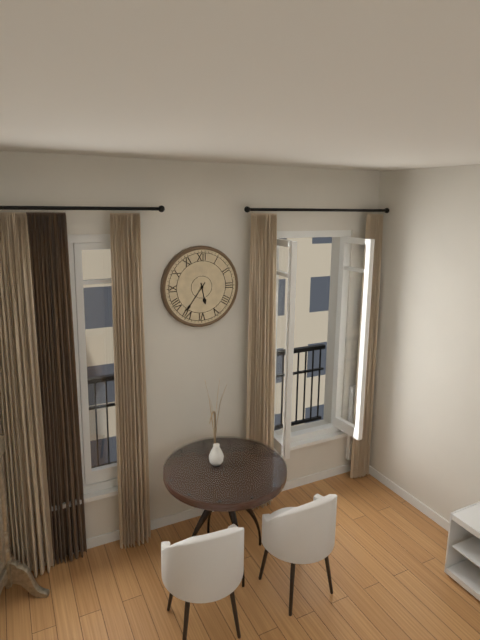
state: 5:36
